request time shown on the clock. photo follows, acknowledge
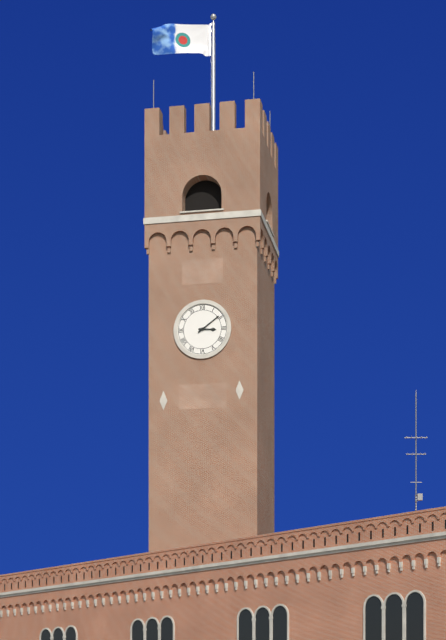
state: 3:09
